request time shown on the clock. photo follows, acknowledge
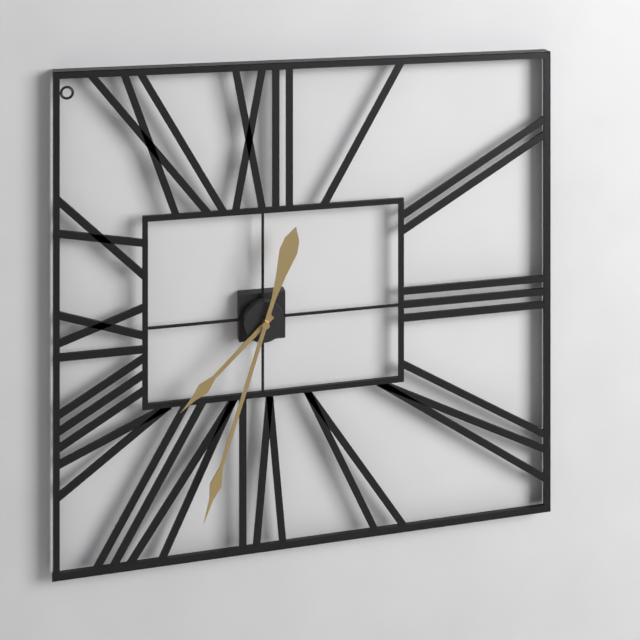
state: 7:33
